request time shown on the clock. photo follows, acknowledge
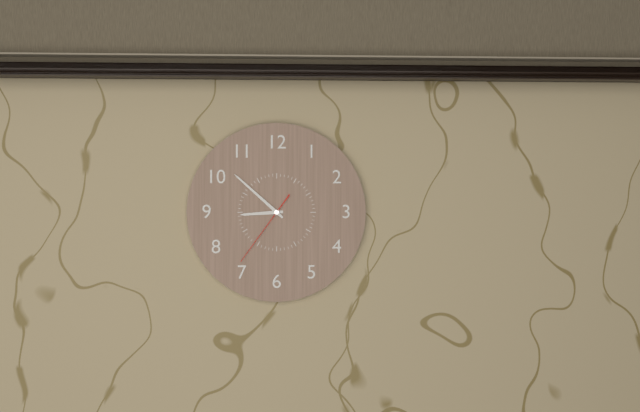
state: 8:52:36
